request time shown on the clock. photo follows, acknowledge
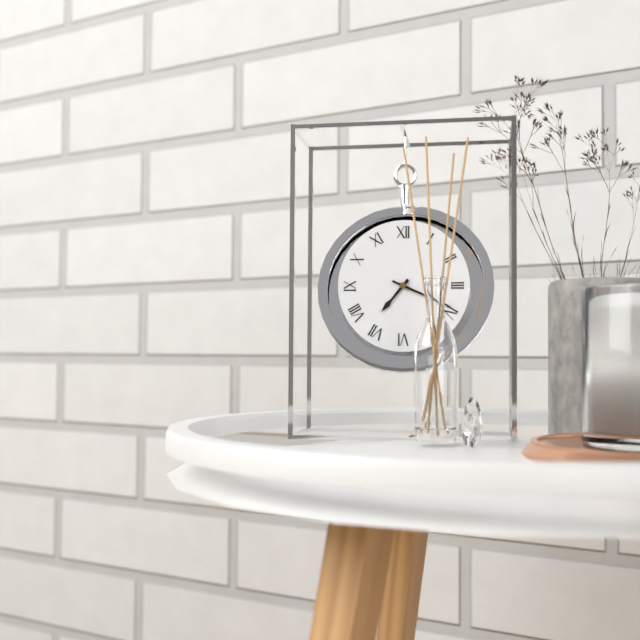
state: 7:19
